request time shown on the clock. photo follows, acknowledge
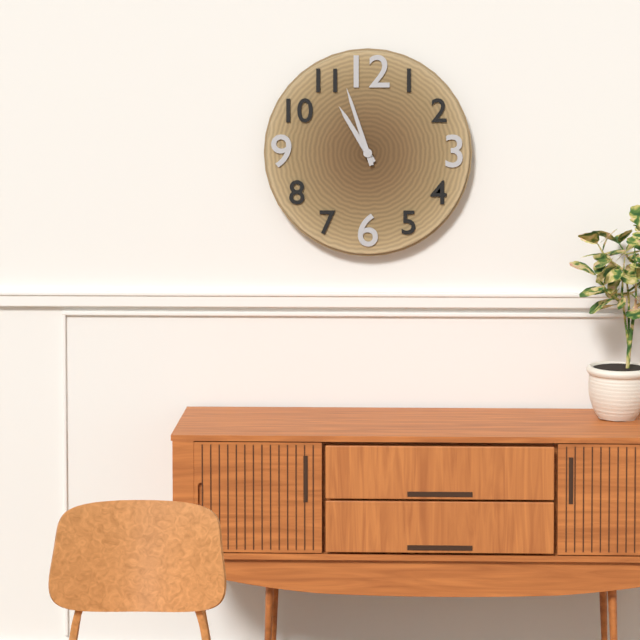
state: 10:57
